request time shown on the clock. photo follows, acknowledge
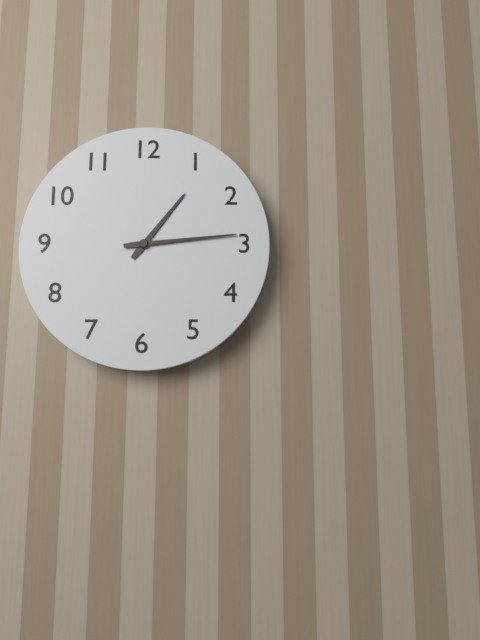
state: 1:14
